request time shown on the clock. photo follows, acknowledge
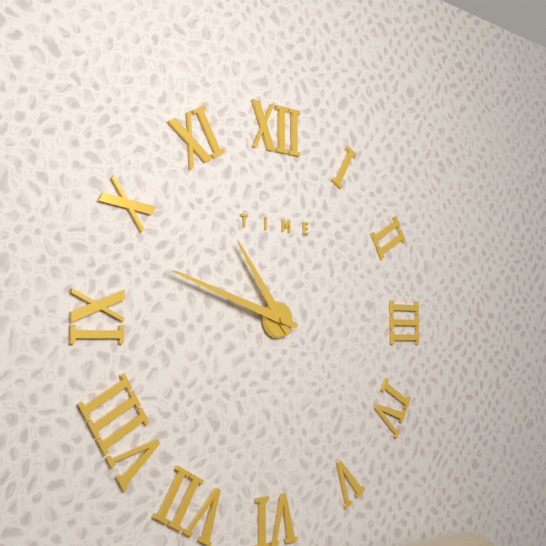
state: 10:48
